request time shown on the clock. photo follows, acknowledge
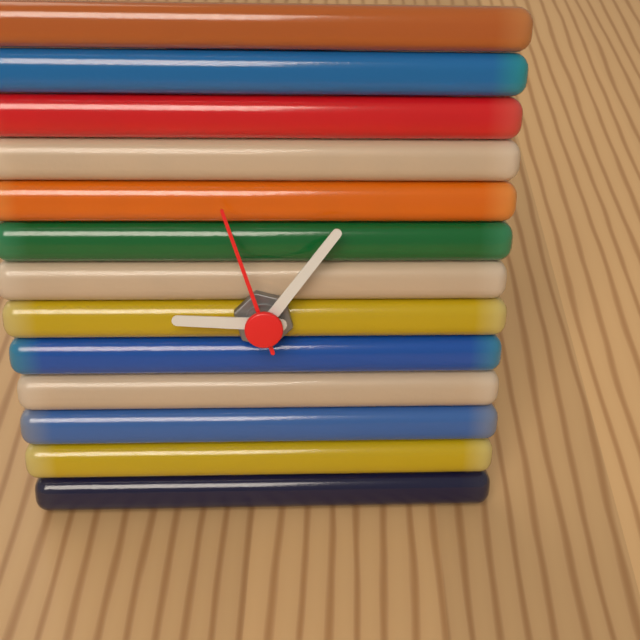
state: 9:06:57
